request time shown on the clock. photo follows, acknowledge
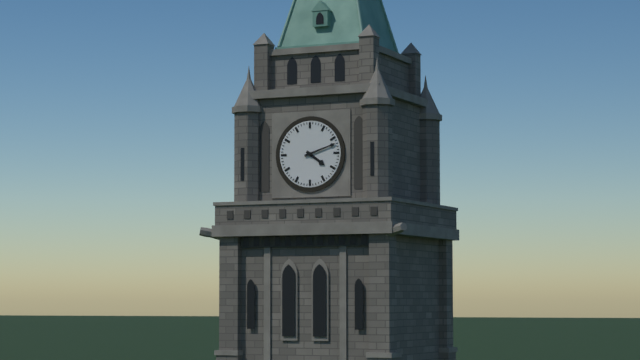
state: 4:12
